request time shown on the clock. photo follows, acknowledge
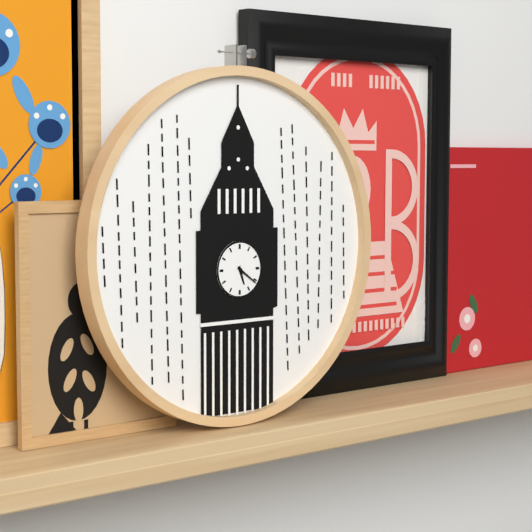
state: 5:21
